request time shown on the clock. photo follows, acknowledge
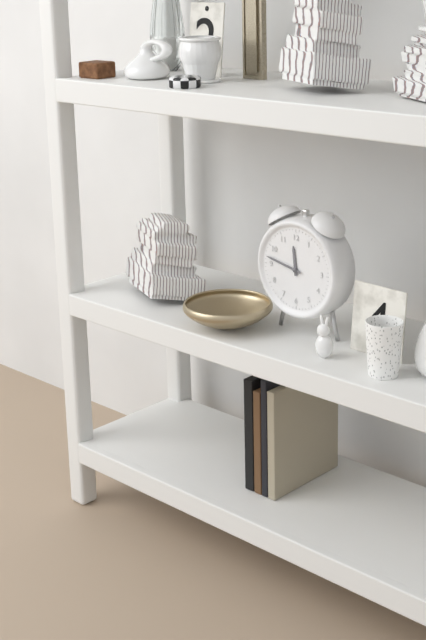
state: 11:47
